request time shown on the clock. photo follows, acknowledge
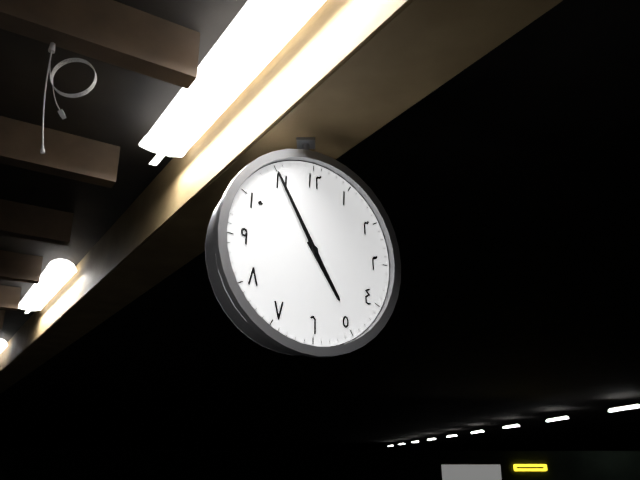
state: 4:55
